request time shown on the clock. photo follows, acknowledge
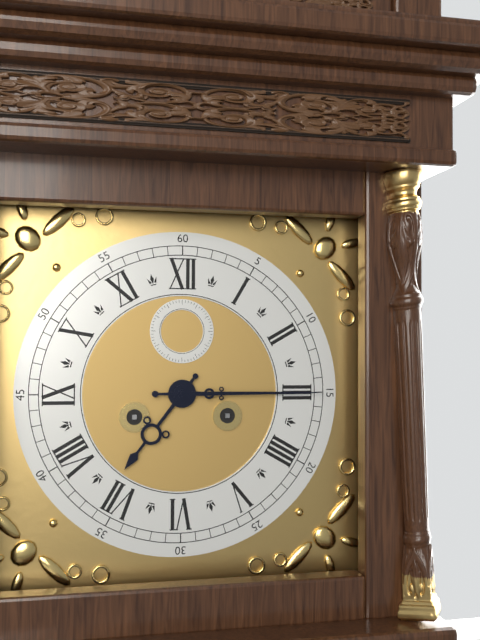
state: 7:15
